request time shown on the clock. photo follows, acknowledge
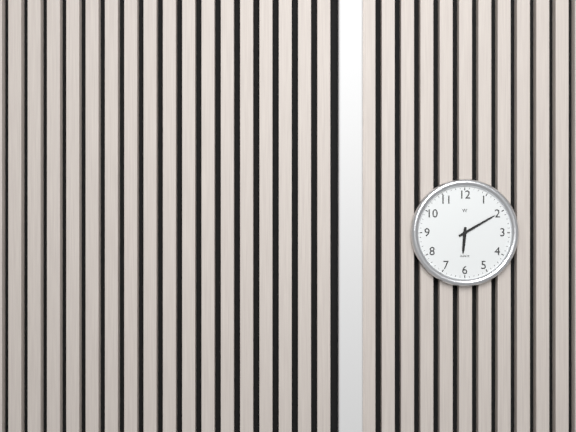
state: 6:10
